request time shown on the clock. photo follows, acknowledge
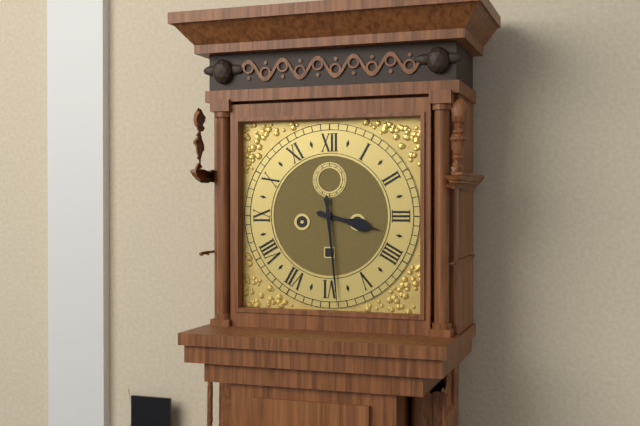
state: 3:29
